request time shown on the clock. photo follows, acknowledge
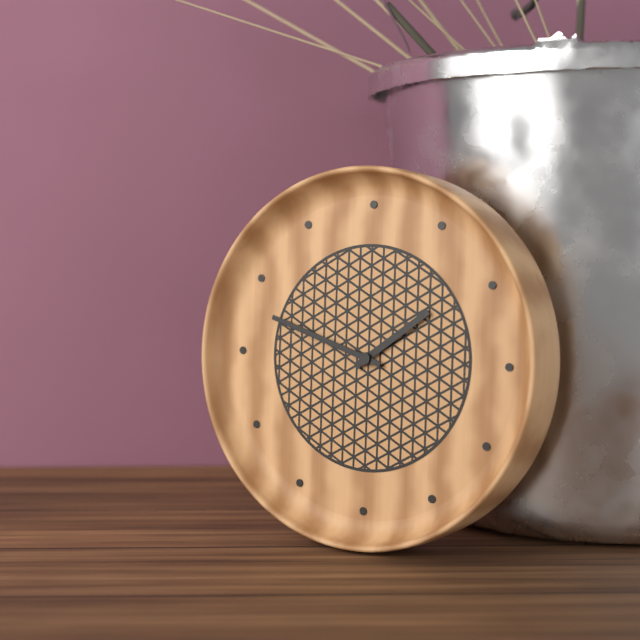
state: 1:48
